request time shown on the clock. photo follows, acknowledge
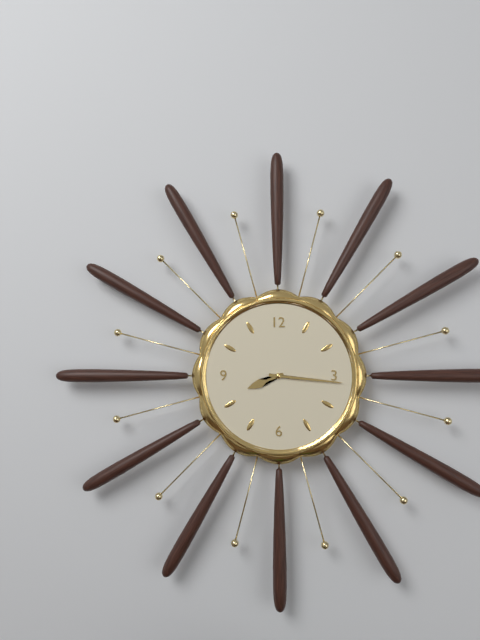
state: 8:16
